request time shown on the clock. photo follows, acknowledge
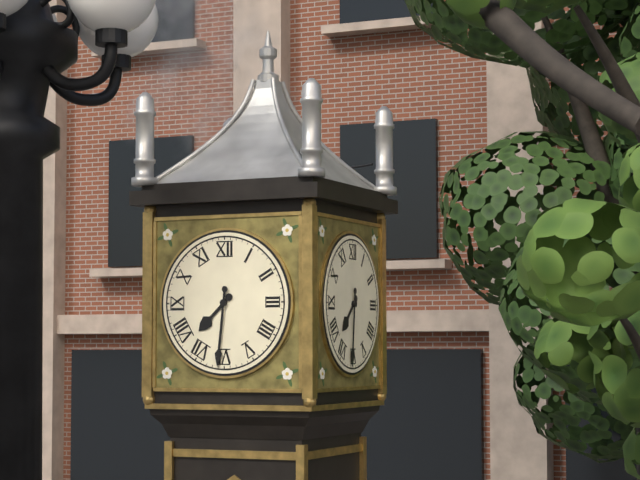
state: 7:31
